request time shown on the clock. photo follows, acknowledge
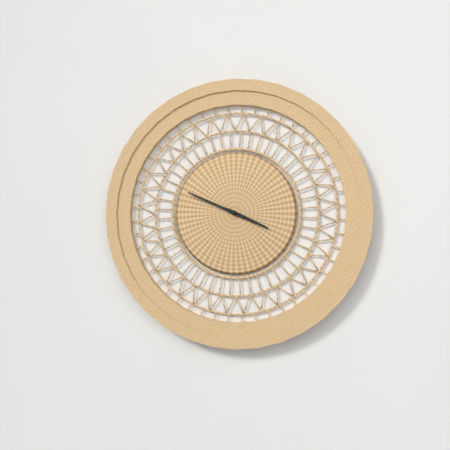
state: 3:49
